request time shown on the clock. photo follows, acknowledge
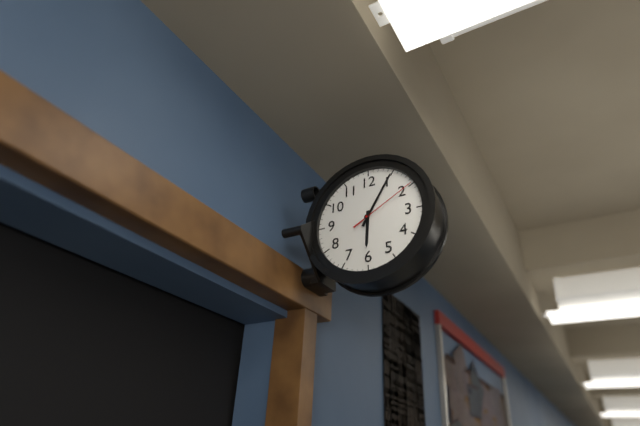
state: 6:05:10
